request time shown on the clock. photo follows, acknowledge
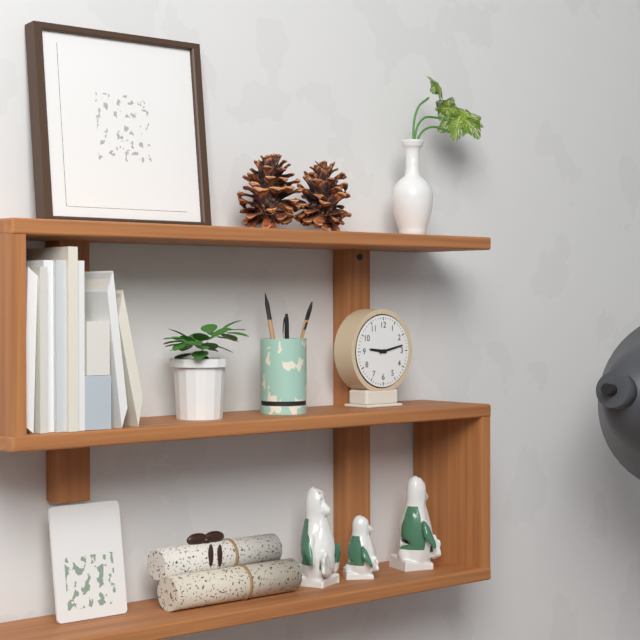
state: 9:13
